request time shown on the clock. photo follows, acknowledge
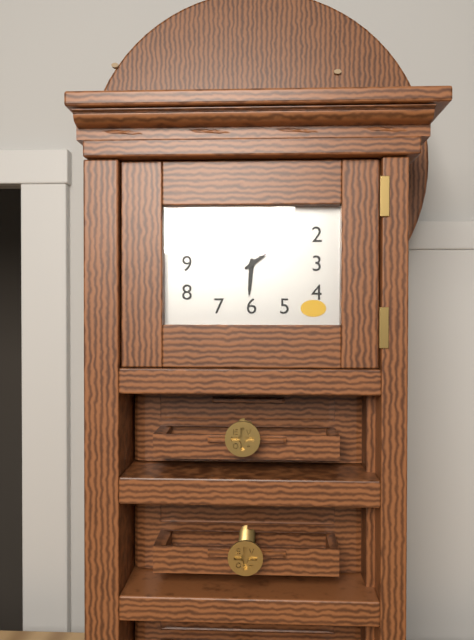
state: 6:09
